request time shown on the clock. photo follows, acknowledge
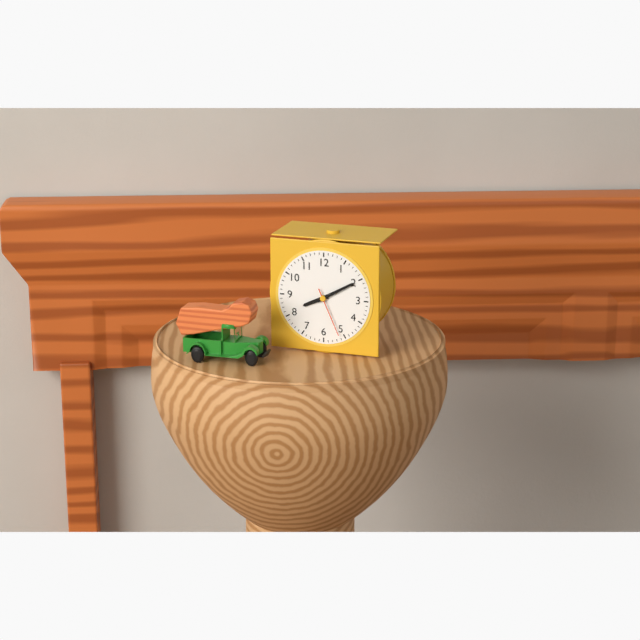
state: 8:10:26
